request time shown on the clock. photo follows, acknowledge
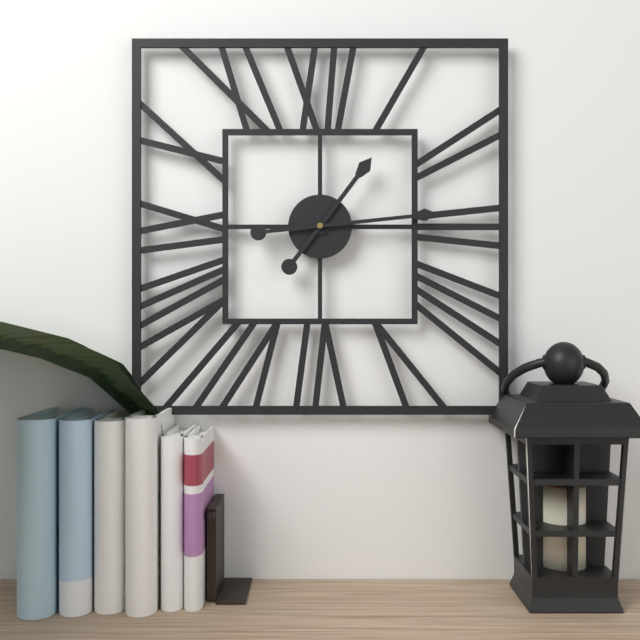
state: 1:14
